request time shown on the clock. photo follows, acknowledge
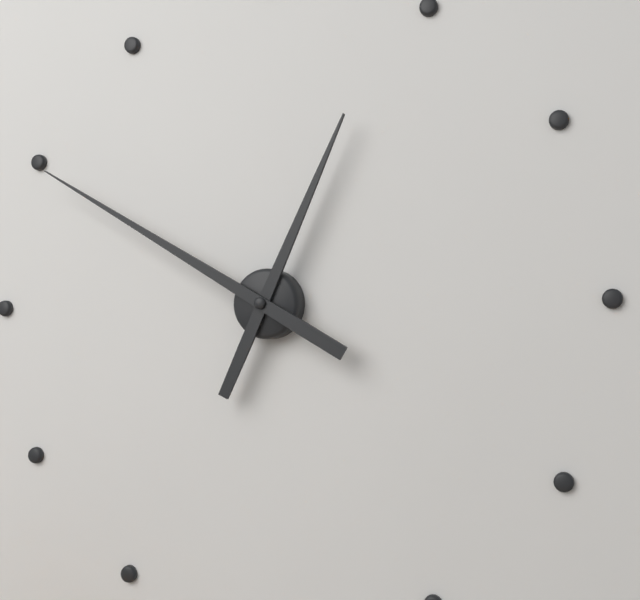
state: 12:50
